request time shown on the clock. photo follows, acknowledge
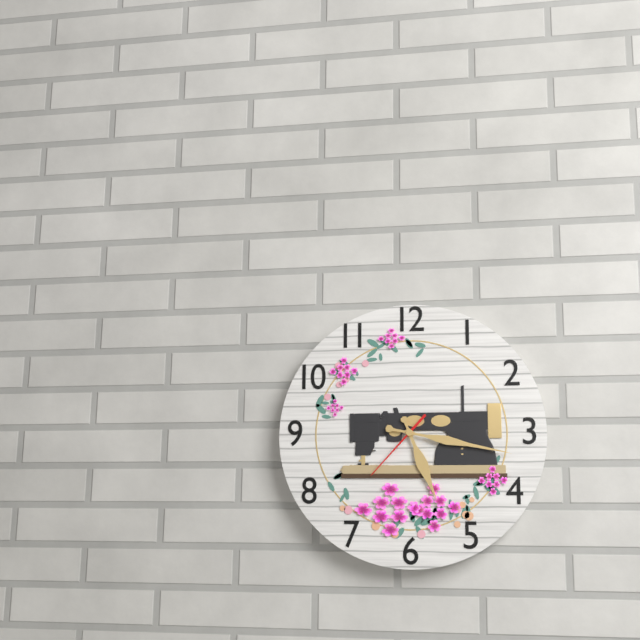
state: 5:17:37
